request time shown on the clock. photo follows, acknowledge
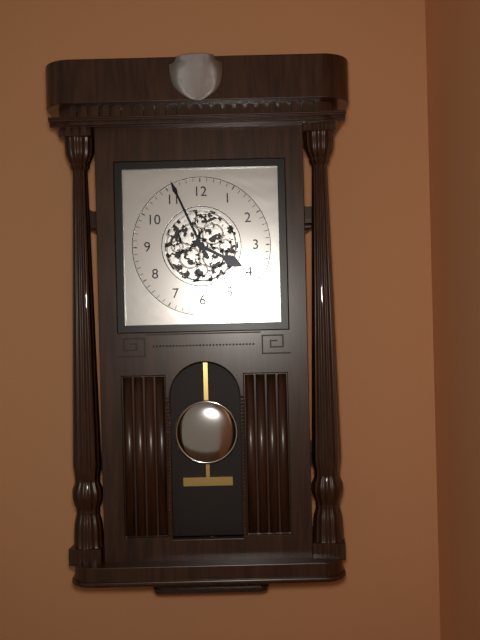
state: 3:56
